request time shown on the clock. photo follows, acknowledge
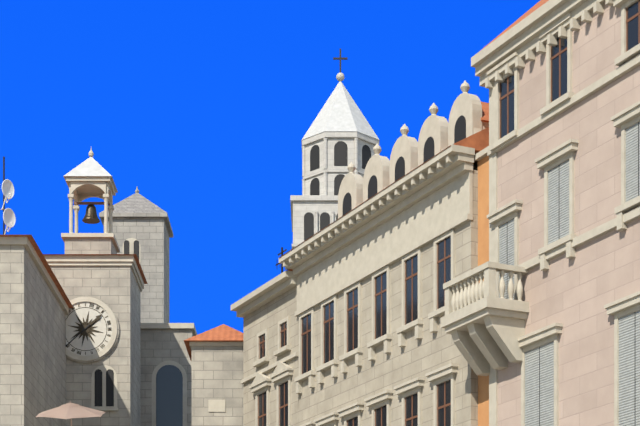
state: 1:38
